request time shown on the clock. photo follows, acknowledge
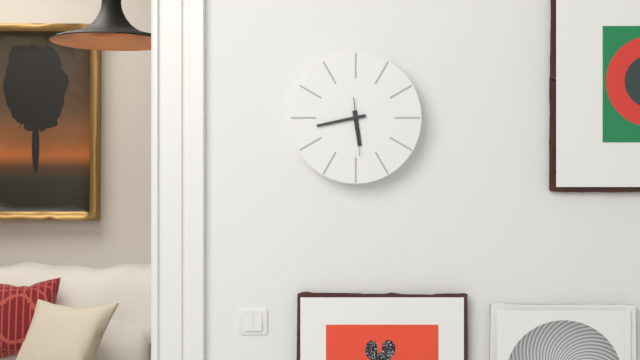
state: 5:43
